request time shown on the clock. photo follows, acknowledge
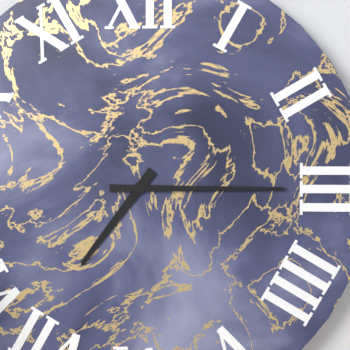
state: 7:15
